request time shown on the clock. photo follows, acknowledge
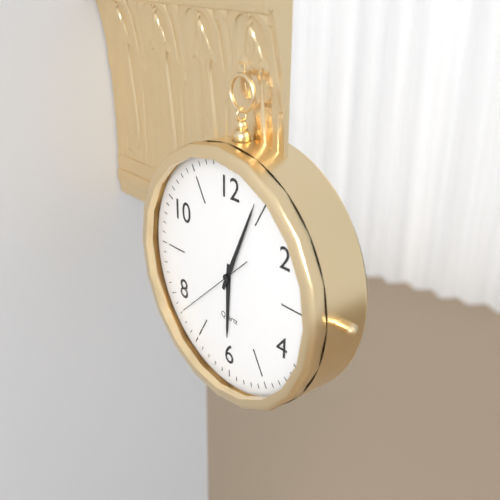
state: 6:04:38
